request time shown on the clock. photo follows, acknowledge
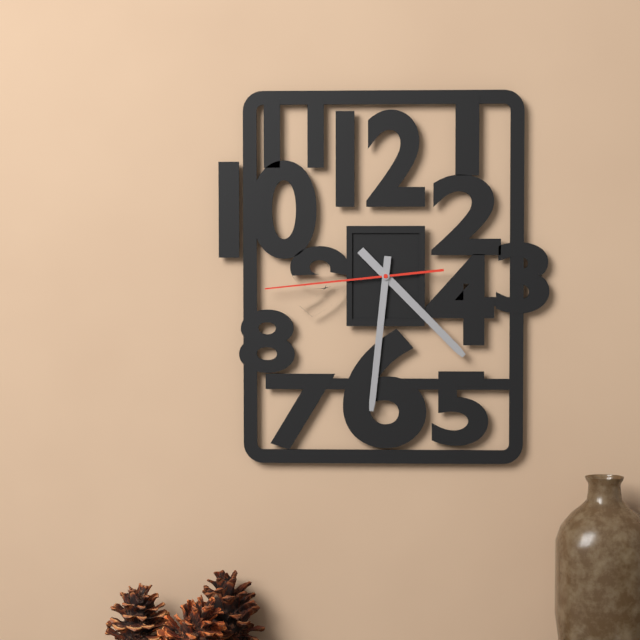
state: 4:31:44
